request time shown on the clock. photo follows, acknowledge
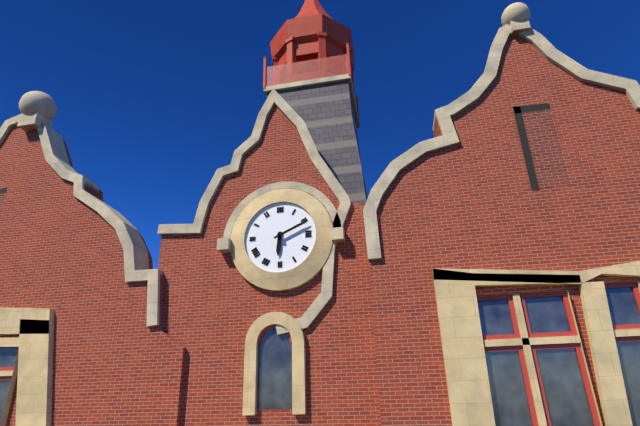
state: 6:11
